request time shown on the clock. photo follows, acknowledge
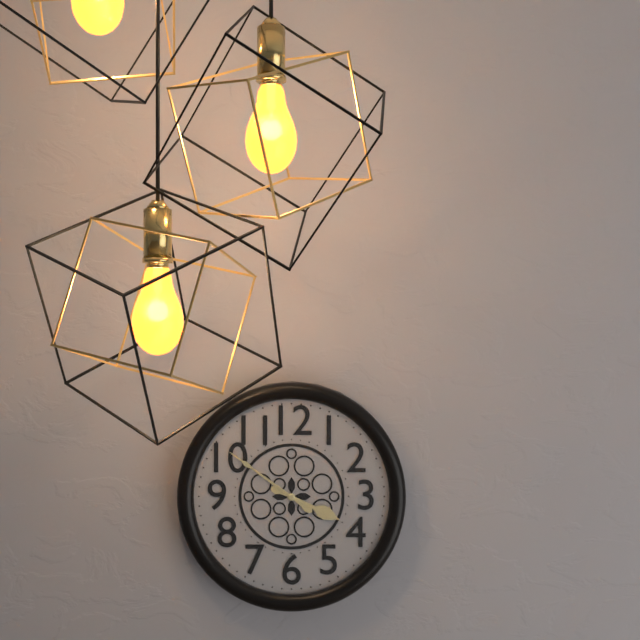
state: 3:51
